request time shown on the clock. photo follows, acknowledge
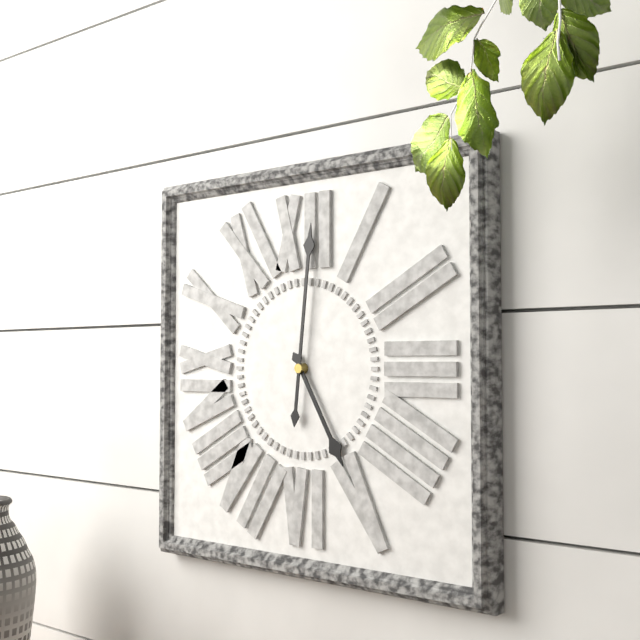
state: 5:01
